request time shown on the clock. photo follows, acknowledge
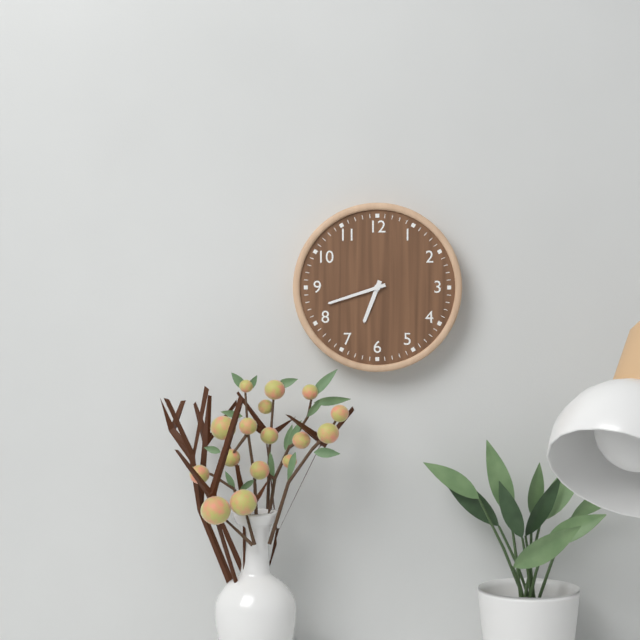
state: 6:42
